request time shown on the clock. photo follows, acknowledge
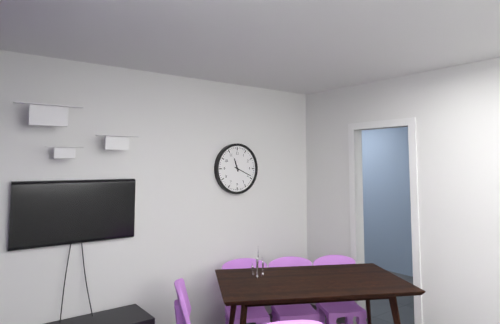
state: 11:19
